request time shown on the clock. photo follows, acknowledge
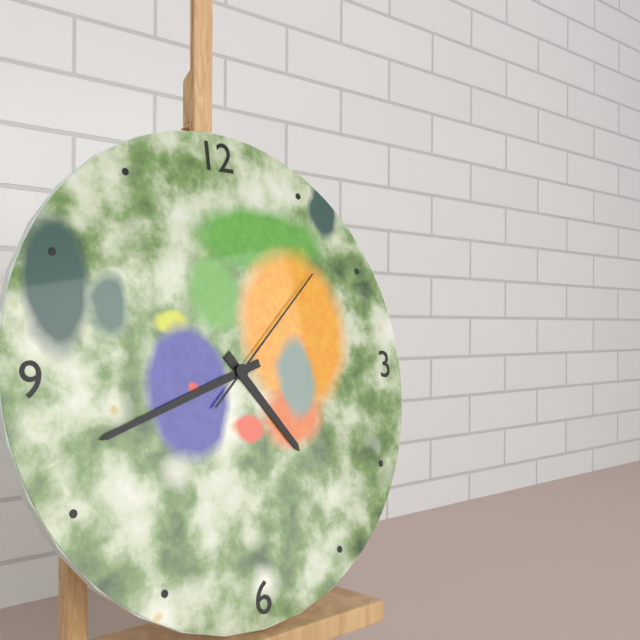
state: 4:42:08
